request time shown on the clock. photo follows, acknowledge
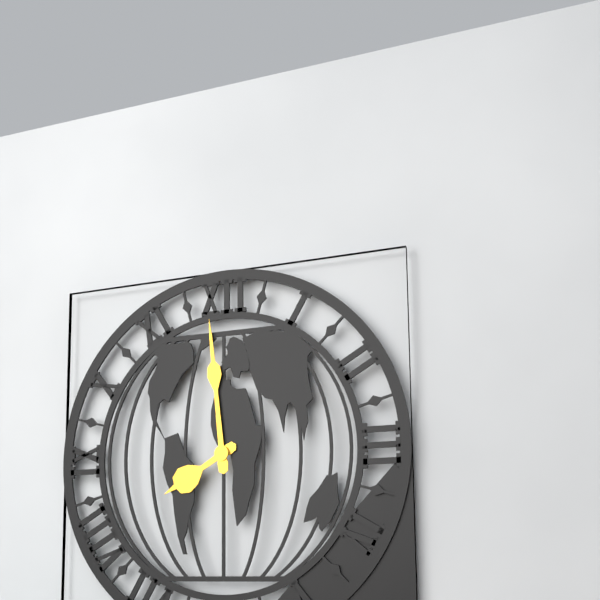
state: 7:59
